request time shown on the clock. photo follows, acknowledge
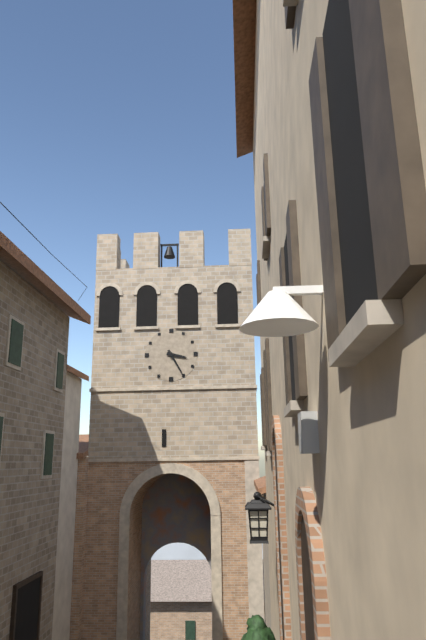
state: 3:25
